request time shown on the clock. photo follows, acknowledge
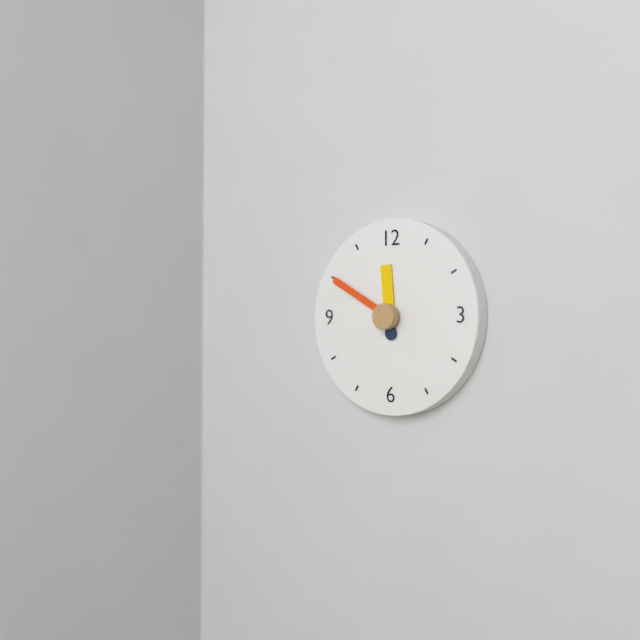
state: 11:50
